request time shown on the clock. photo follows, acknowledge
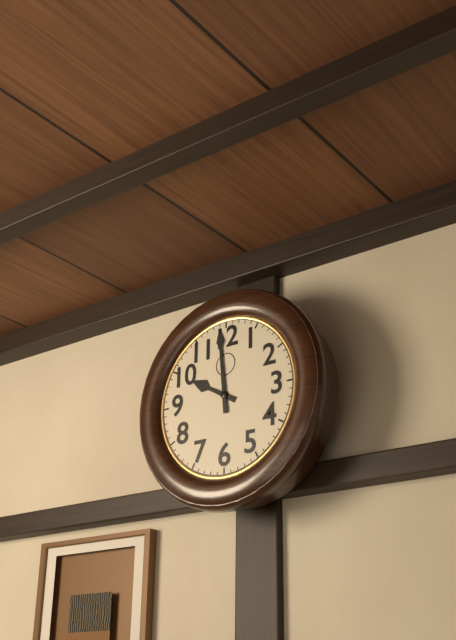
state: 9:59
